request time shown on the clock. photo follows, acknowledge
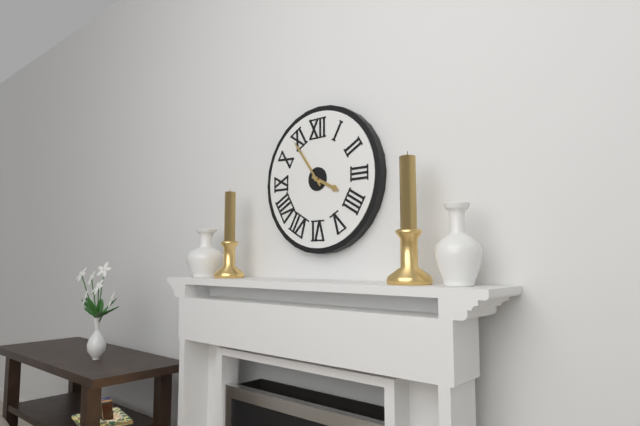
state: 3:54
